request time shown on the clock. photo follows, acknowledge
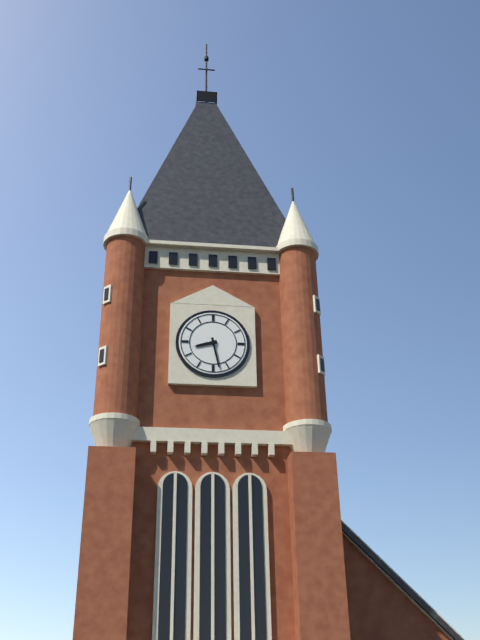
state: 8:28
